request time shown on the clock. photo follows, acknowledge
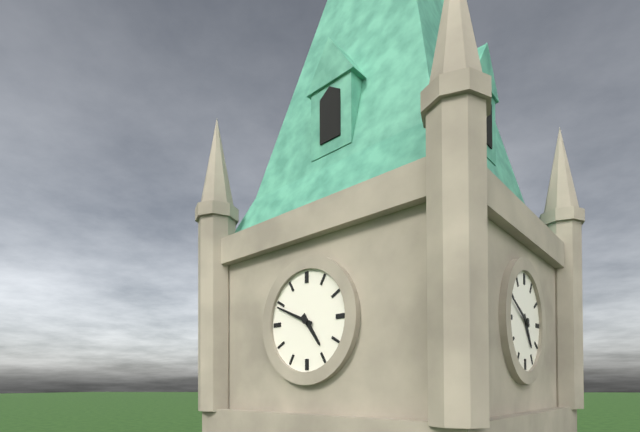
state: 4:49
